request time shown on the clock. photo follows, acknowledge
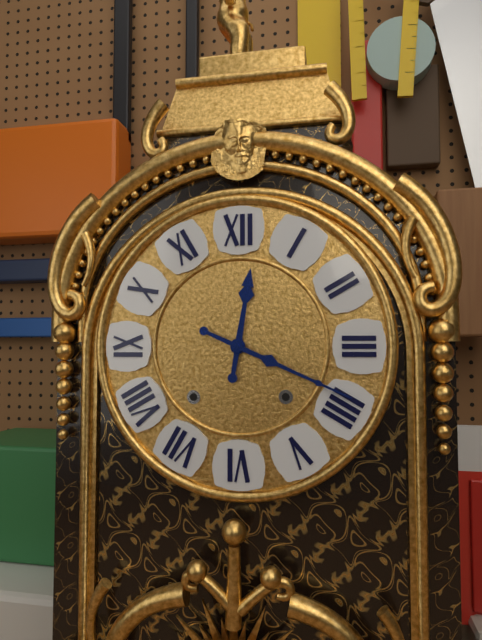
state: 12:19
